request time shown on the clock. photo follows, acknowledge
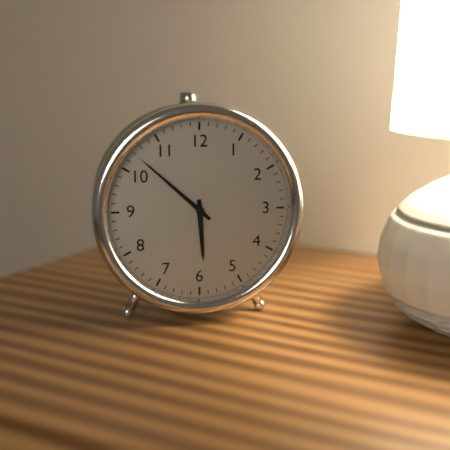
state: 5:52
